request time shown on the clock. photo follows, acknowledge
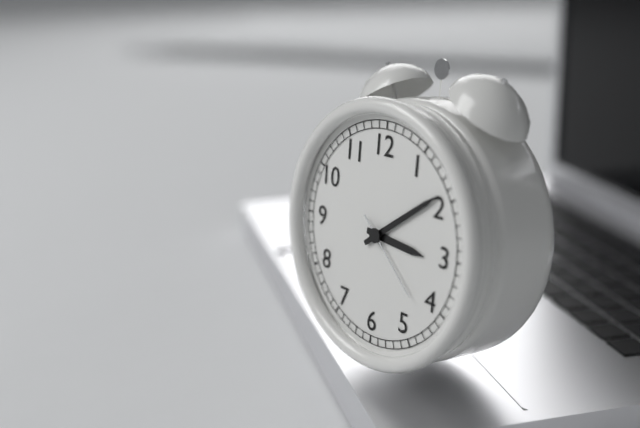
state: 3:09:22
